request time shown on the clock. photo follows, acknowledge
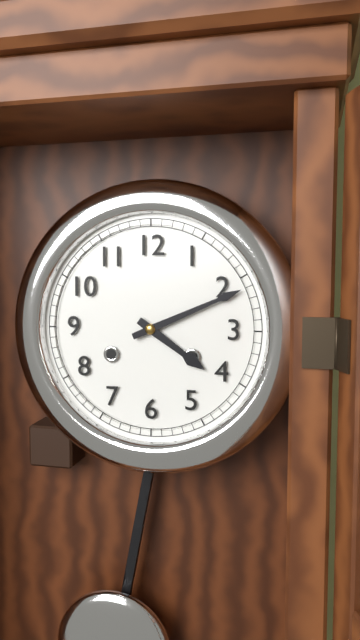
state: 4:11
